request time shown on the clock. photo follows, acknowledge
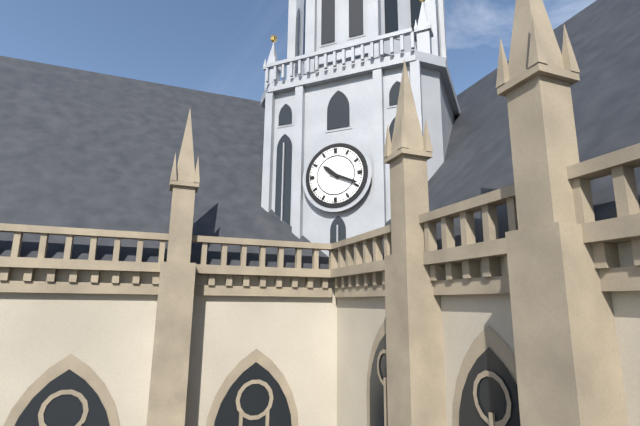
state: 10:19
